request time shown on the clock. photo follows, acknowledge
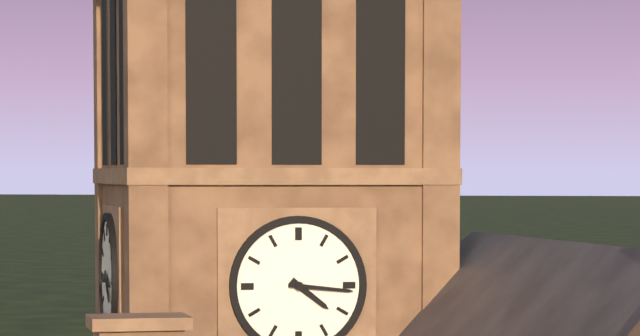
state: 4:16
